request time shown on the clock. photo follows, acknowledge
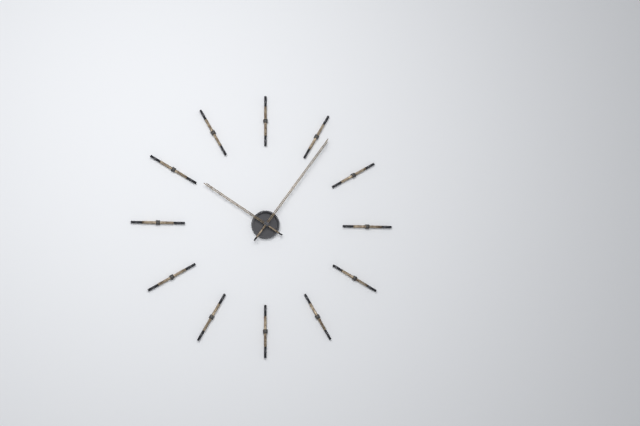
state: 10:06
